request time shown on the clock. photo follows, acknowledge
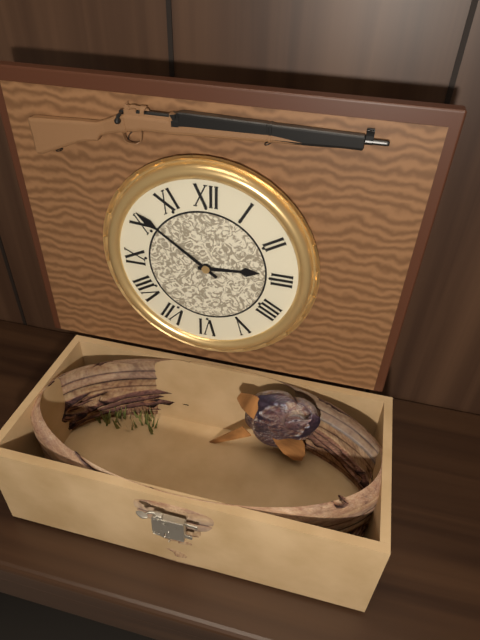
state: 2:51
